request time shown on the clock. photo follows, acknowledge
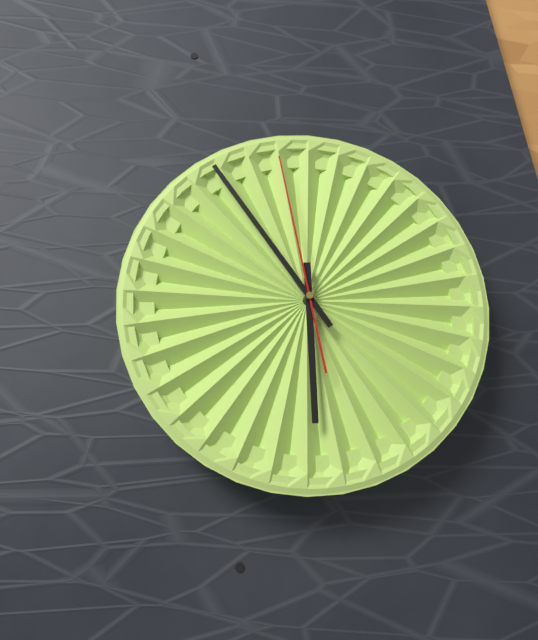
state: 5:54:58
